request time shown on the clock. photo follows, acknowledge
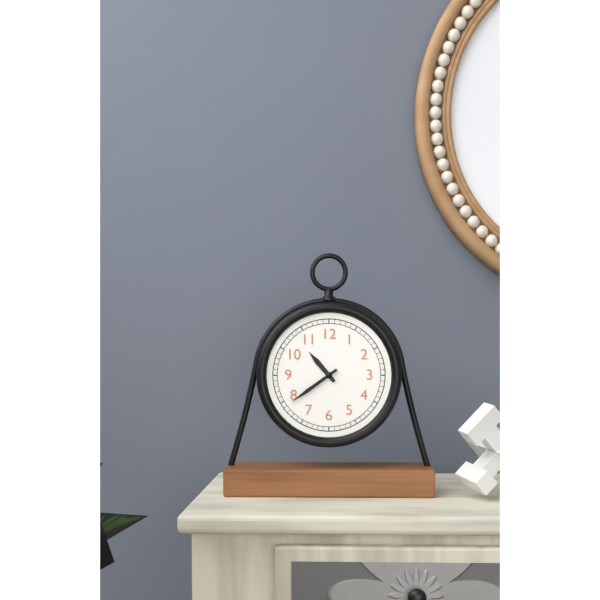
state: 10:39
